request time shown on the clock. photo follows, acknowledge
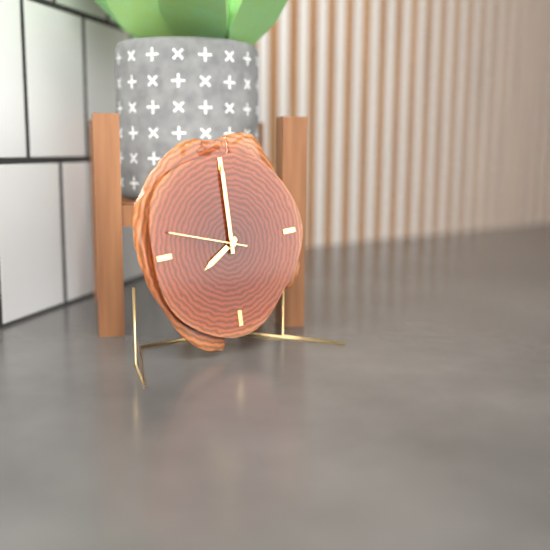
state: 8:00:48
